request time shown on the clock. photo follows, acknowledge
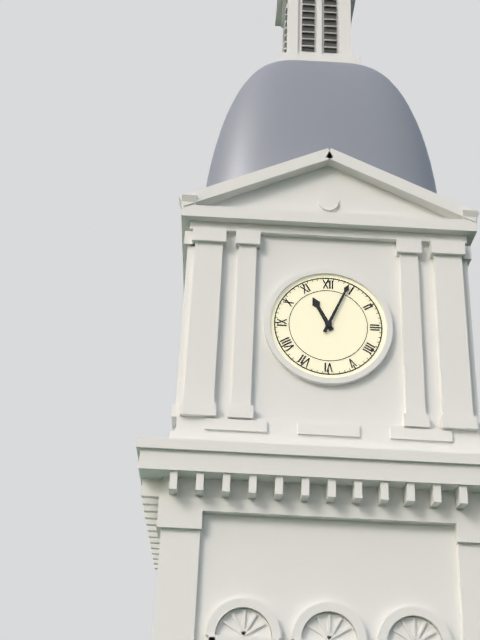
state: 11:04
